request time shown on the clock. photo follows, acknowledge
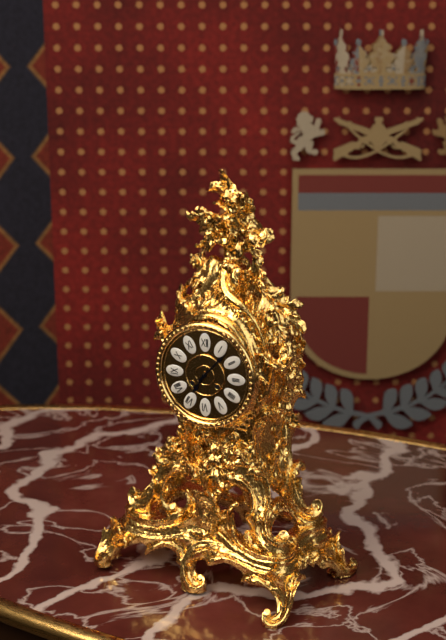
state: 7:07
